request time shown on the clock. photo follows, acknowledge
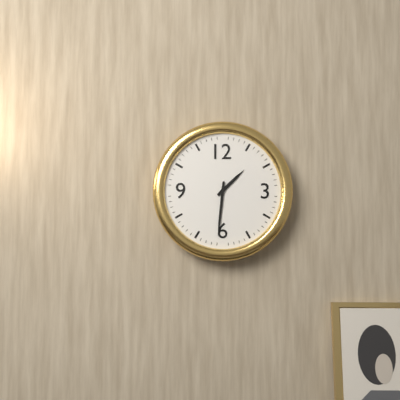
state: 1:31
